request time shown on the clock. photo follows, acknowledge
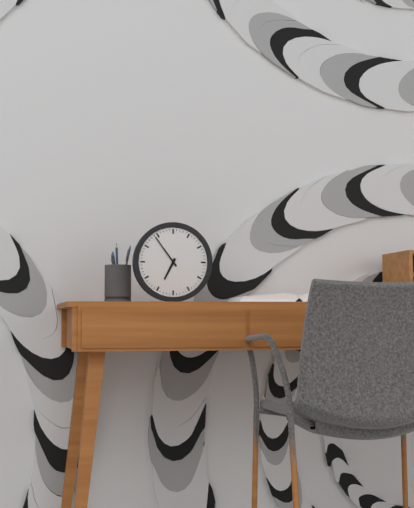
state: 6:54
